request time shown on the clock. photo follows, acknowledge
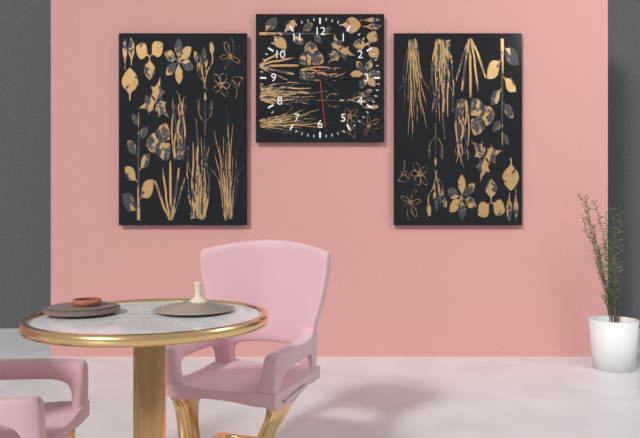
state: 4:15:29
